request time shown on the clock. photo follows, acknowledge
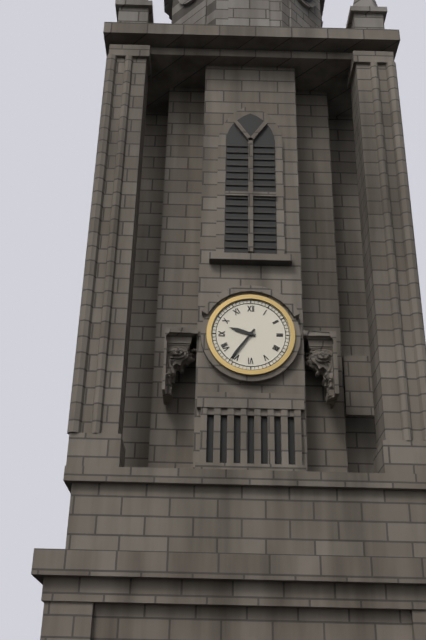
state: 9:36
